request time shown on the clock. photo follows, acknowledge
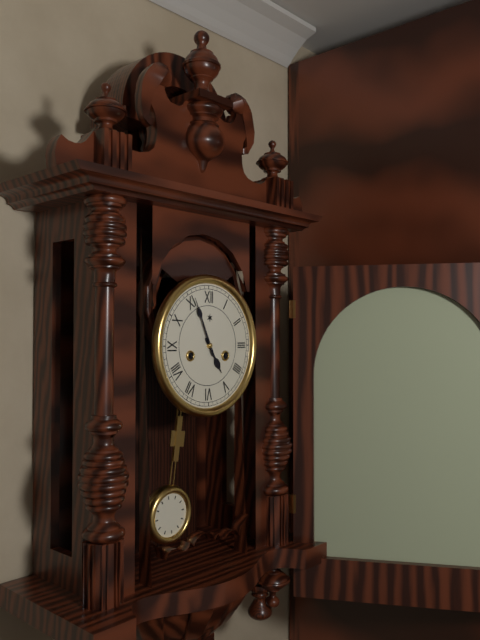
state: 4:56
